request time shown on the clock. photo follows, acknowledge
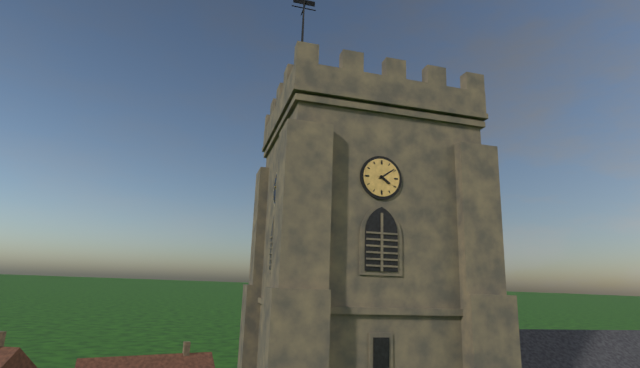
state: 4:09
